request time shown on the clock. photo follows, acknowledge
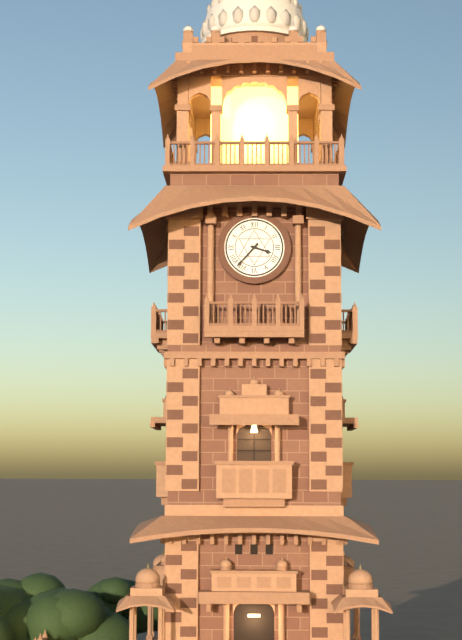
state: 3:37
